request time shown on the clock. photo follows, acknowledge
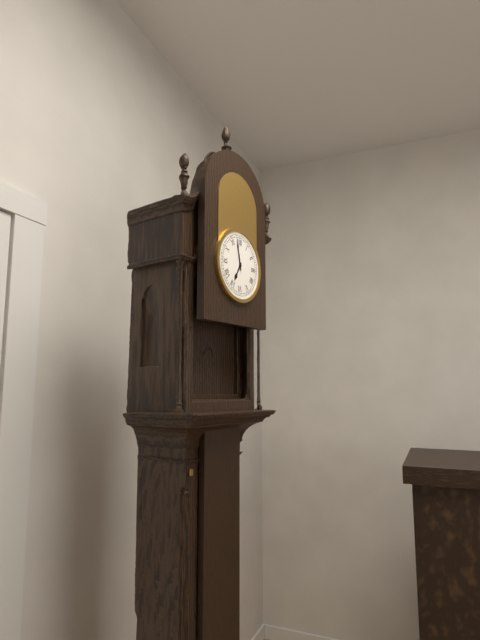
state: 6:58
